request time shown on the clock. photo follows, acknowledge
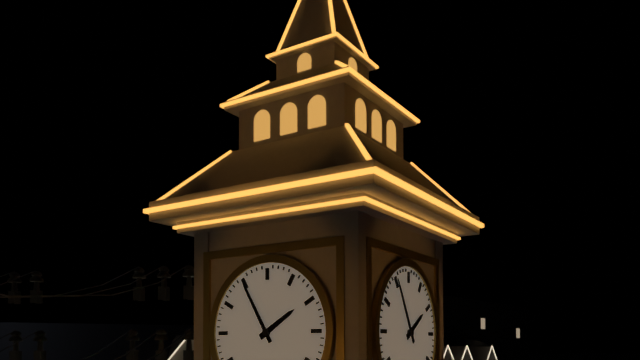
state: 1:55
